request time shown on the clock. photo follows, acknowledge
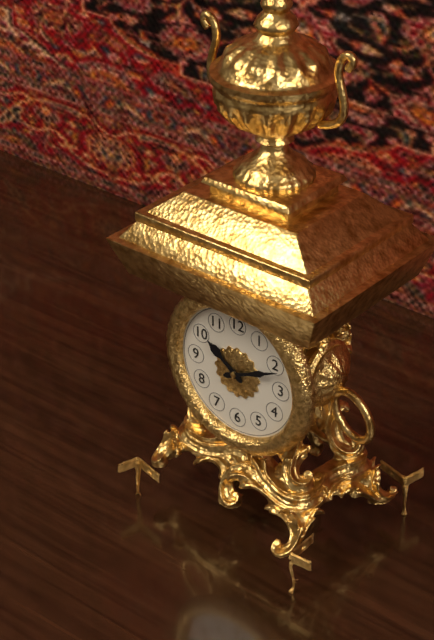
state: 10:11
